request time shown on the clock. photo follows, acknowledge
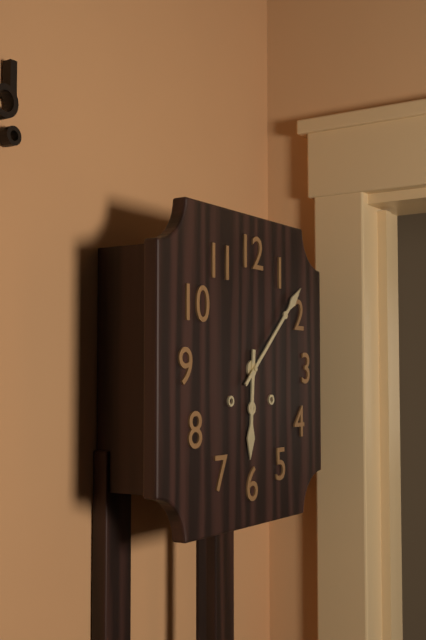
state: 6:08
